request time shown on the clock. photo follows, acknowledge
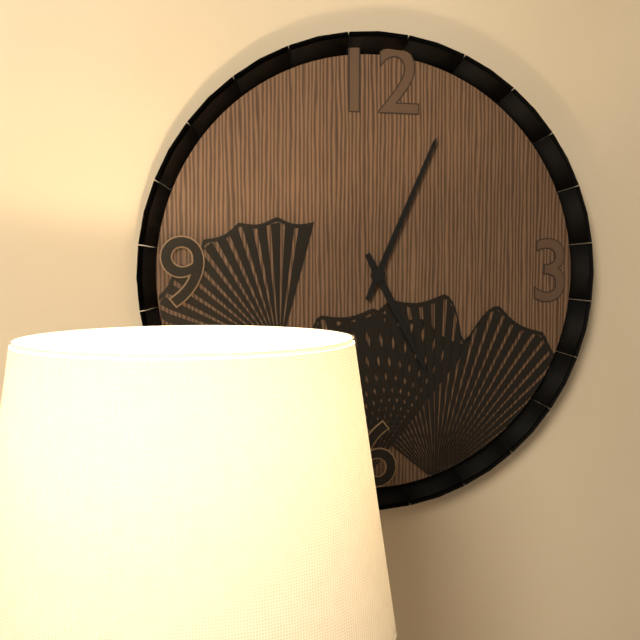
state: 5:04
